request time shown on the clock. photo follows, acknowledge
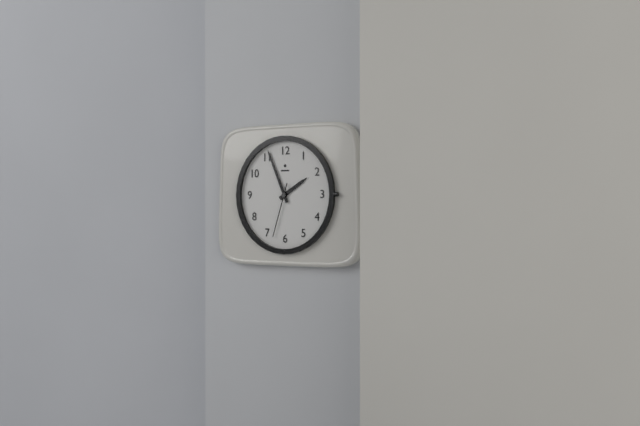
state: 1:56:33
